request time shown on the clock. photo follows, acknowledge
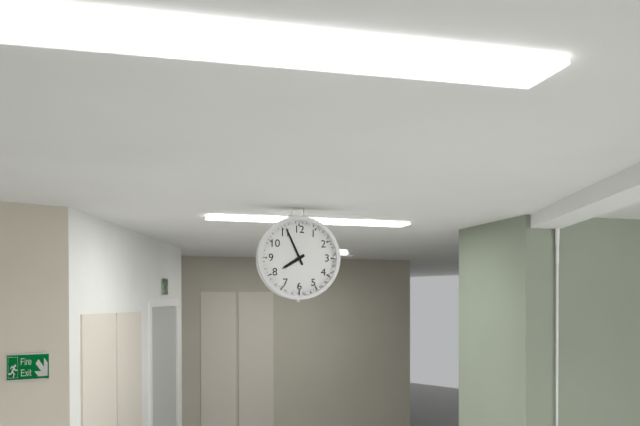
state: 7:56
